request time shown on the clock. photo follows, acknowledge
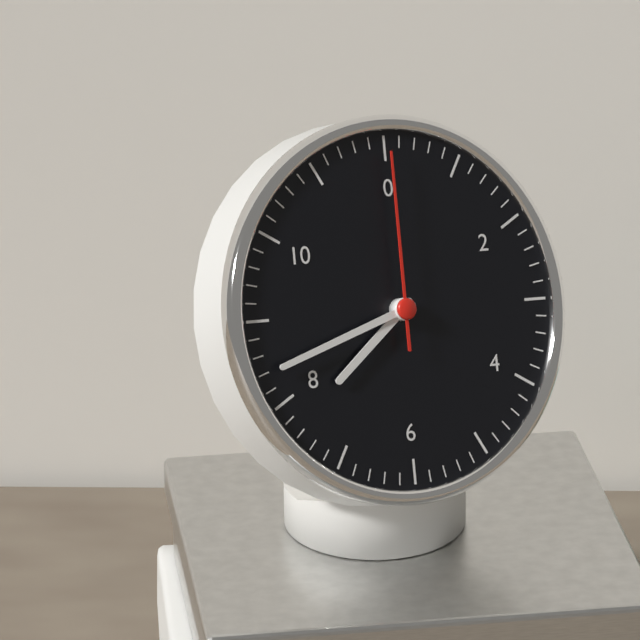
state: 7:42:00
